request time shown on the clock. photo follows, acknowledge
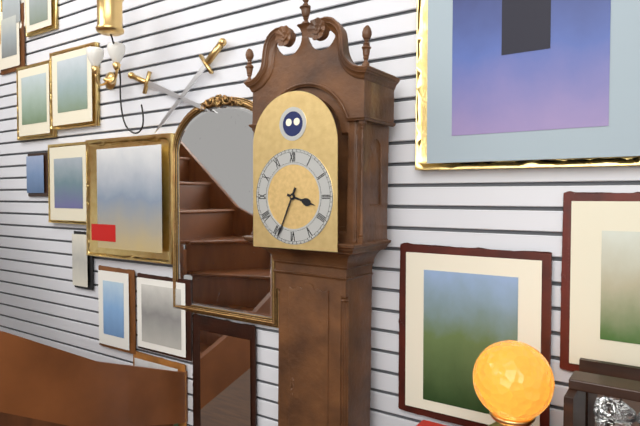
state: 3:34
